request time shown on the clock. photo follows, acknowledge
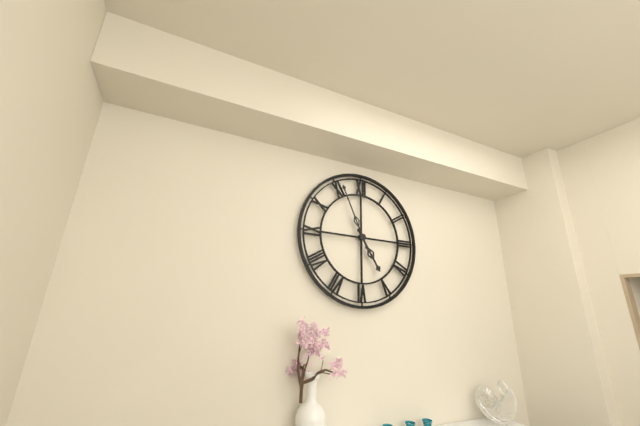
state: 4:56
